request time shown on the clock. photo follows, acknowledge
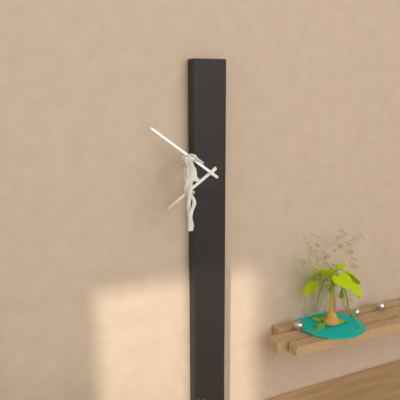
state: 7:51
